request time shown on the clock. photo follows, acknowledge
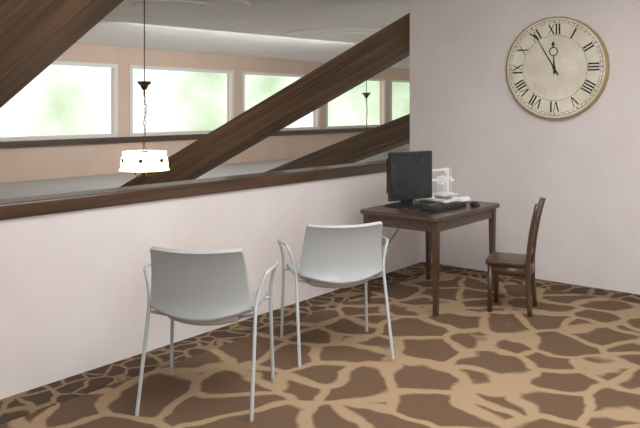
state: 11:55
